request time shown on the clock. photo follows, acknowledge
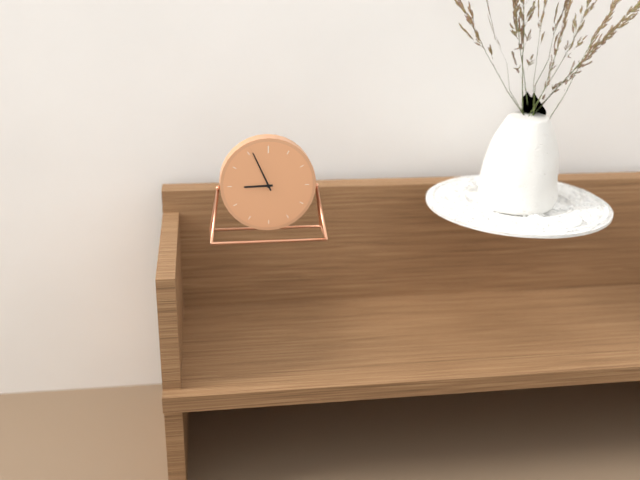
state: 8:56
